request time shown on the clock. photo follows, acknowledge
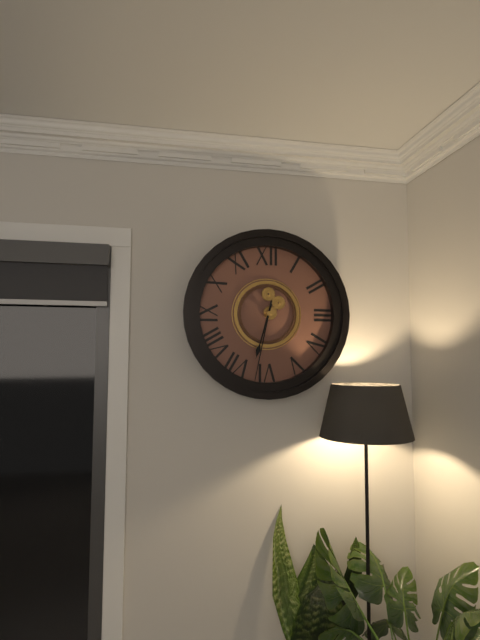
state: 6:32
